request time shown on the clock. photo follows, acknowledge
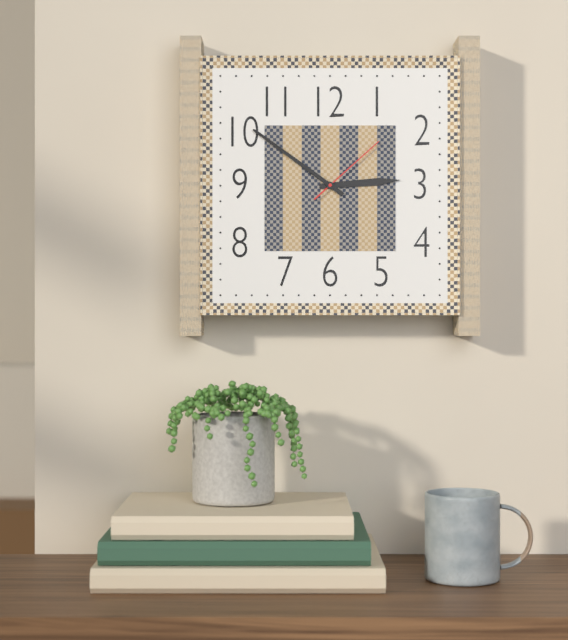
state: 2:51:08
